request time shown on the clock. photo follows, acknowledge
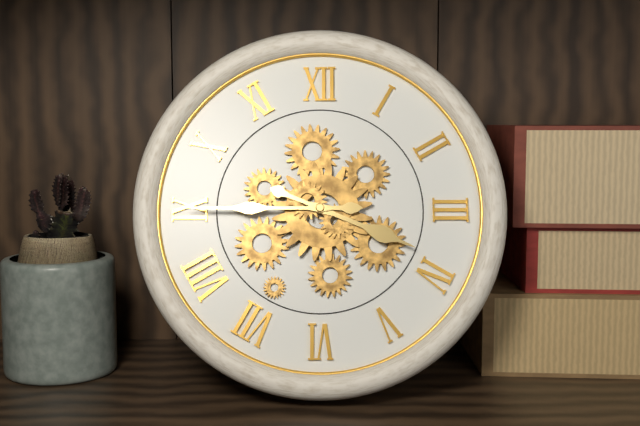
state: 3:45
